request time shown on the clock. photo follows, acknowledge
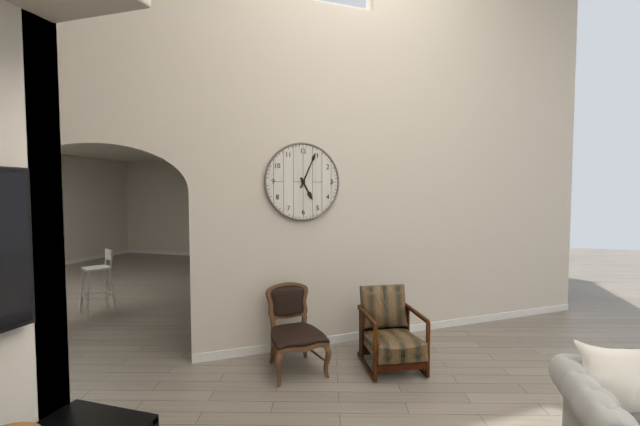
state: 5:04
